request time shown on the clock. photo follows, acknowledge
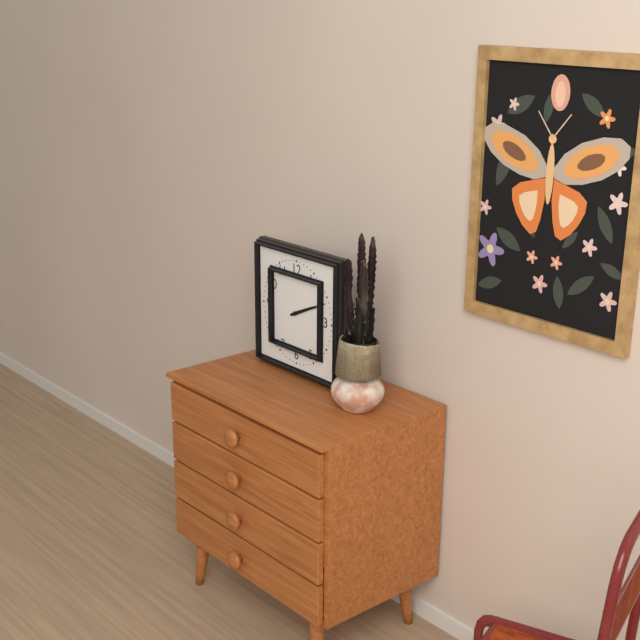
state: 2:11
